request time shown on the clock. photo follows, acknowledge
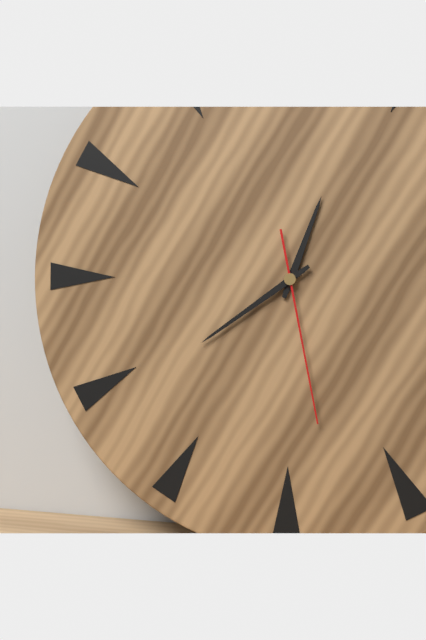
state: 12:39:28
